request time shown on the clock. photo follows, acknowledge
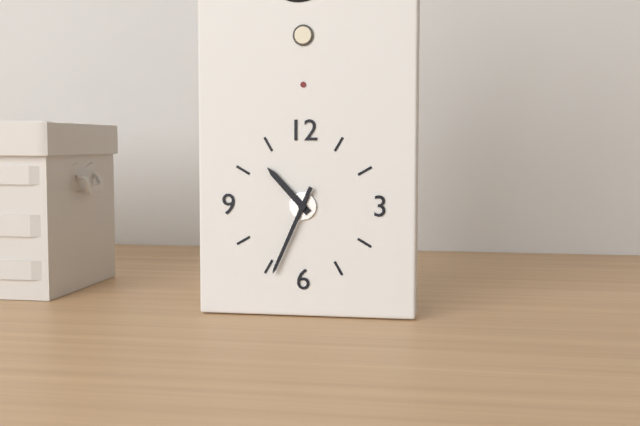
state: 10:34
